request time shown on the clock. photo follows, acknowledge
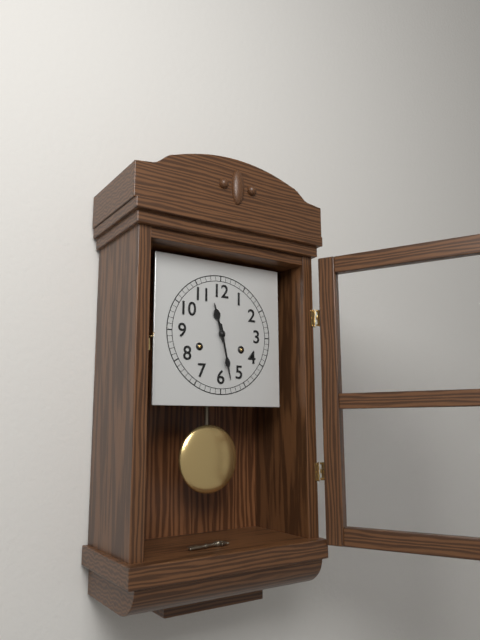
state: 11:28
